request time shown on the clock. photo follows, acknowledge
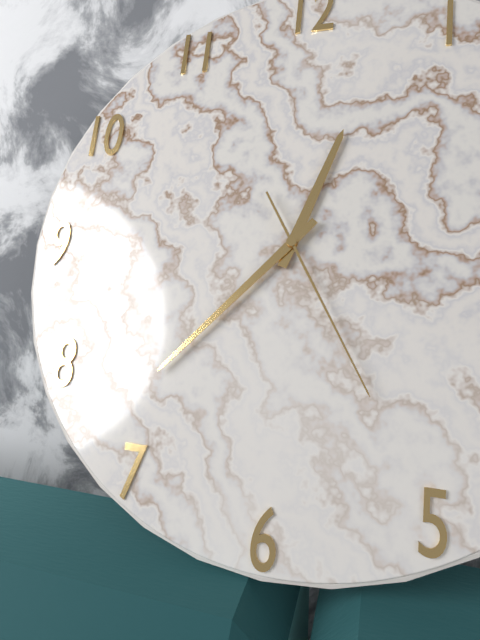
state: 12:37:25
